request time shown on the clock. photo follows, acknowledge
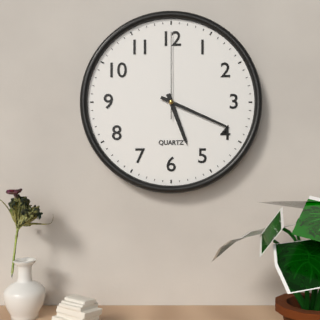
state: 5:19:00
